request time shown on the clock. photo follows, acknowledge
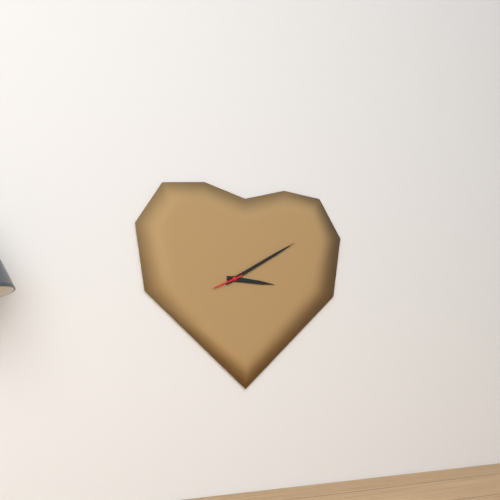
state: 3:10
